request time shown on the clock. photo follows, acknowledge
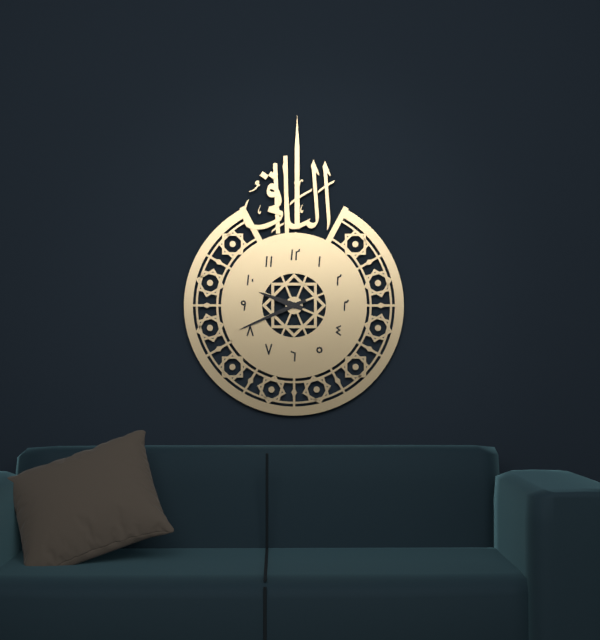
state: 9:41
